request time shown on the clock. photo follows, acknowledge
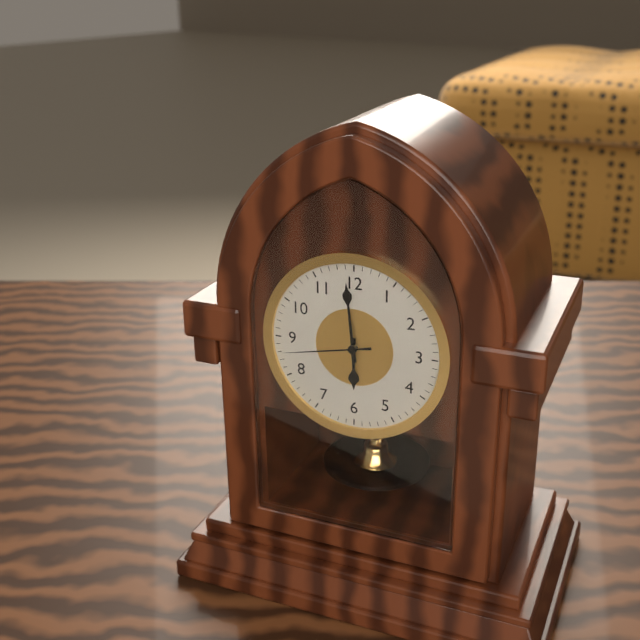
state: 5:59:43
